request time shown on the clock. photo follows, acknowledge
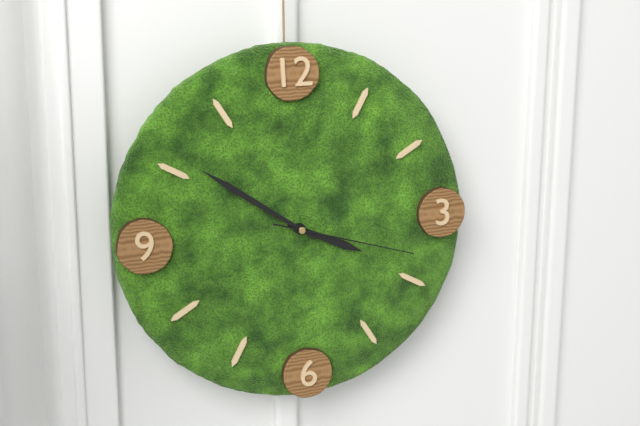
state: 3:51:18
